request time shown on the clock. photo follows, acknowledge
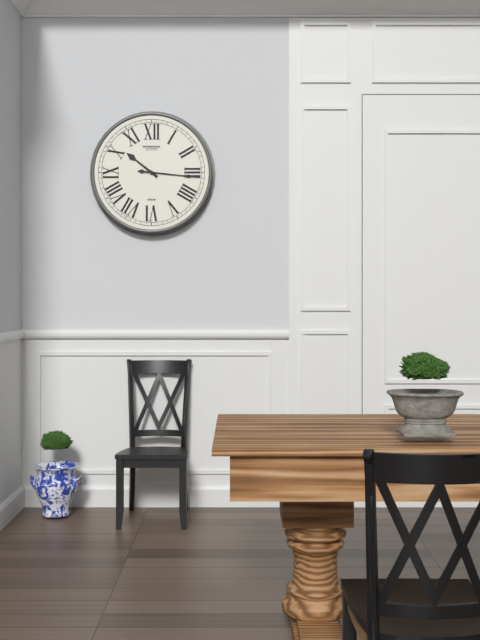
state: 10:16
